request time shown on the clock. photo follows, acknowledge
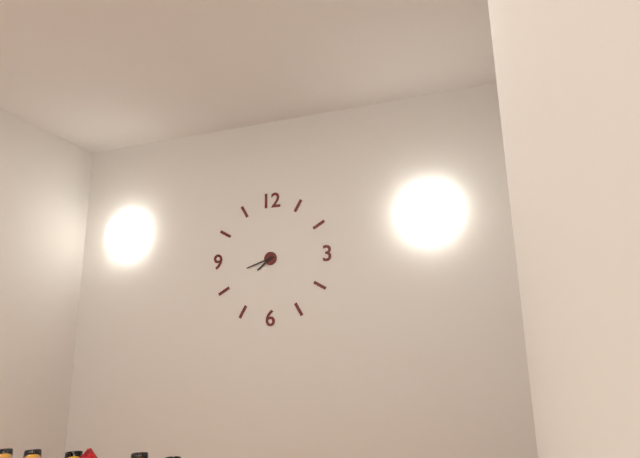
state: 7:42
